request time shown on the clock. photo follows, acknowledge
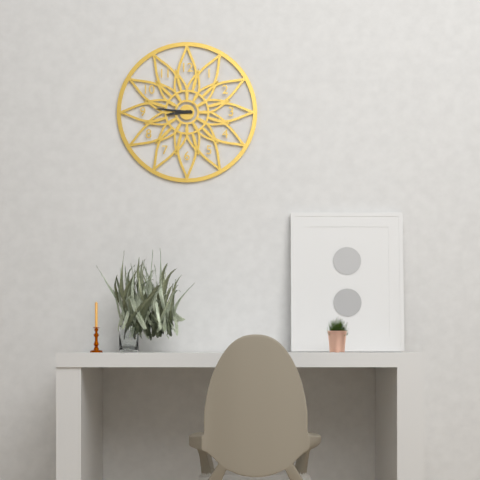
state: 8:46
